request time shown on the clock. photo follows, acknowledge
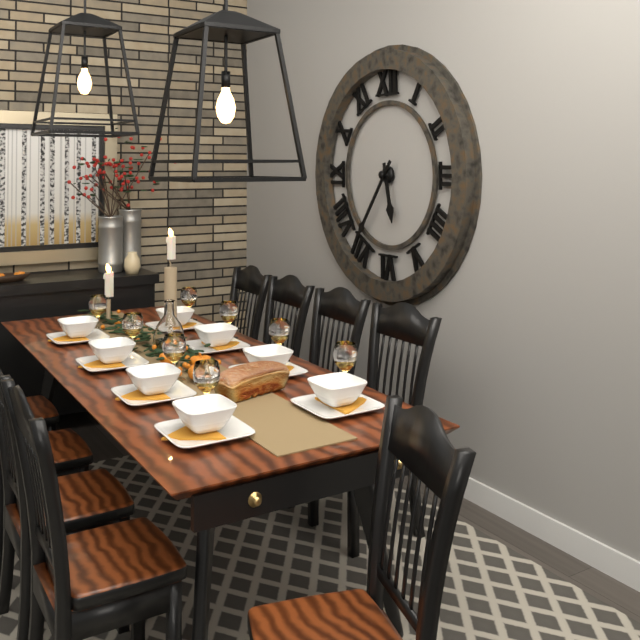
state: 5:36
